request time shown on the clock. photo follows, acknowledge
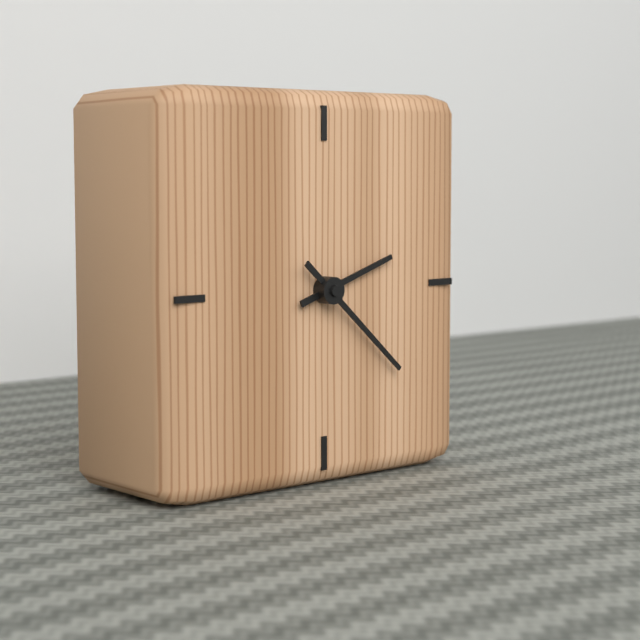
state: 2:22
